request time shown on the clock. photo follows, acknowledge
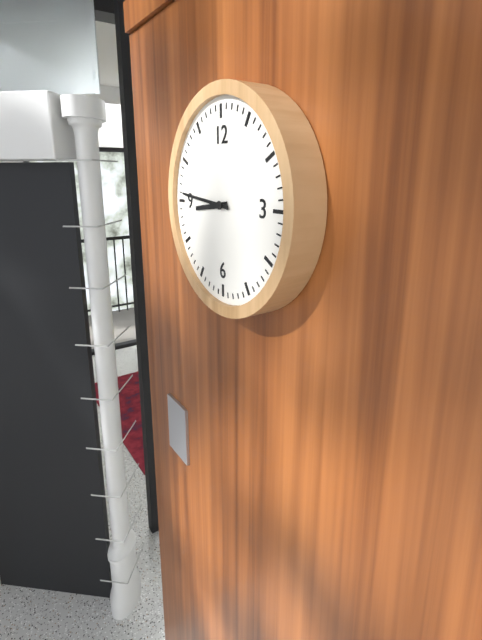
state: 8:46
